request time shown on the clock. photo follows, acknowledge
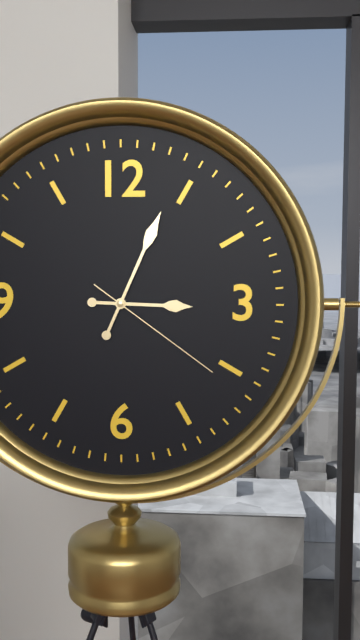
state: 3:04:21
